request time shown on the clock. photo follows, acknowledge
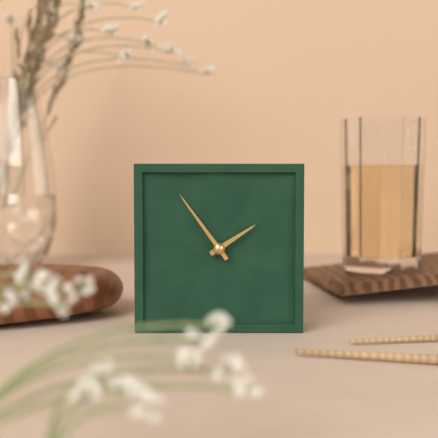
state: 1:54
